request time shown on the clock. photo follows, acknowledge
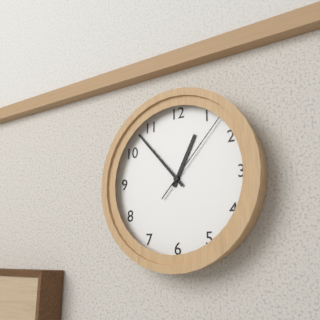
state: 12:53:07
